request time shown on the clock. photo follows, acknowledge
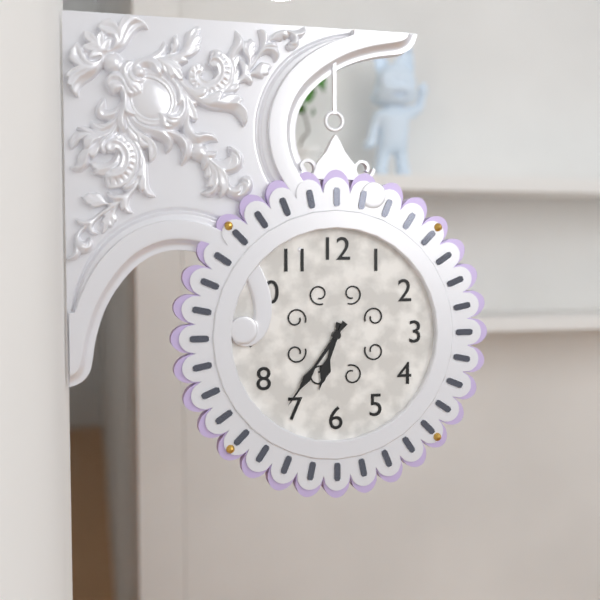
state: 6:36
